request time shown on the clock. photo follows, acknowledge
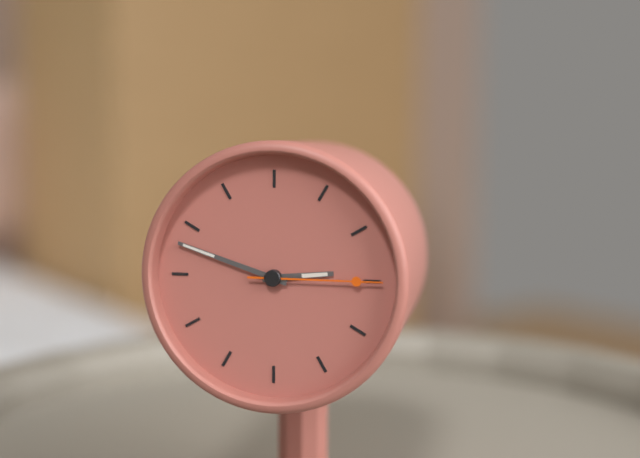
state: 2:48:15
